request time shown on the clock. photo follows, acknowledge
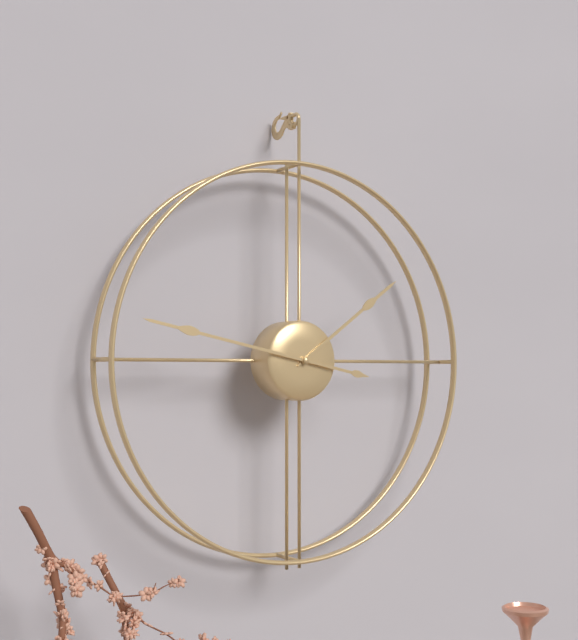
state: 1:47
